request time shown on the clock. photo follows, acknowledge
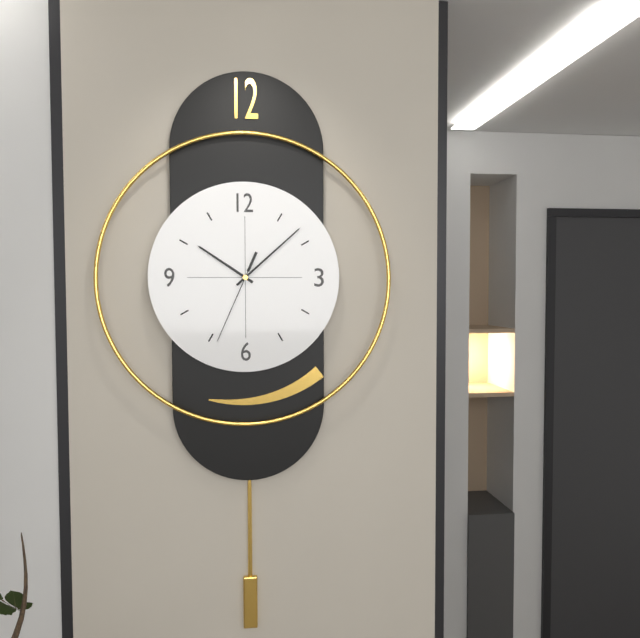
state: 10:08:34
